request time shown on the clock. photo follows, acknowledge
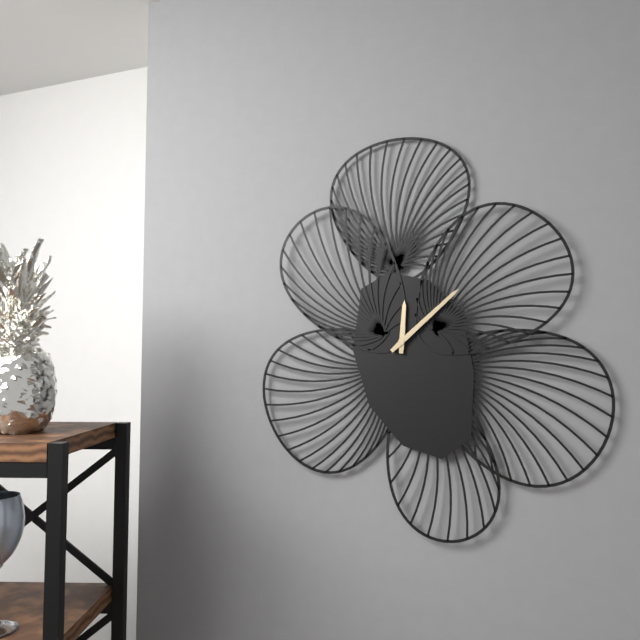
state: 12:08
